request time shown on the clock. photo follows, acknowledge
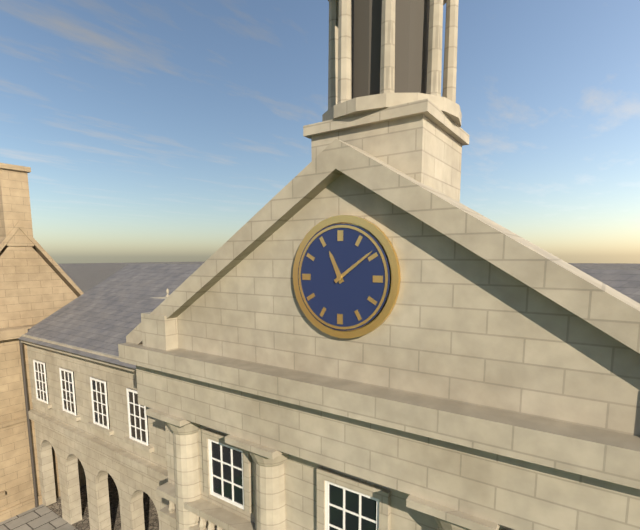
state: 11:09
